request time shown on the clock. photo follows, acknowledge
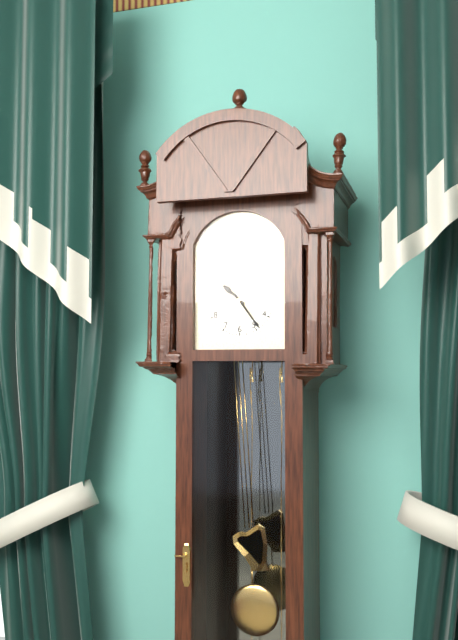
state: 10:24
